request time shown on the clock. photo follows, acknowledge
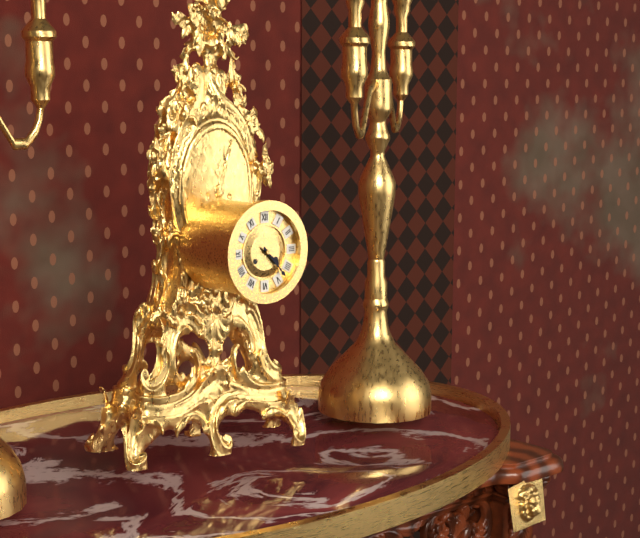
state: 4:23
